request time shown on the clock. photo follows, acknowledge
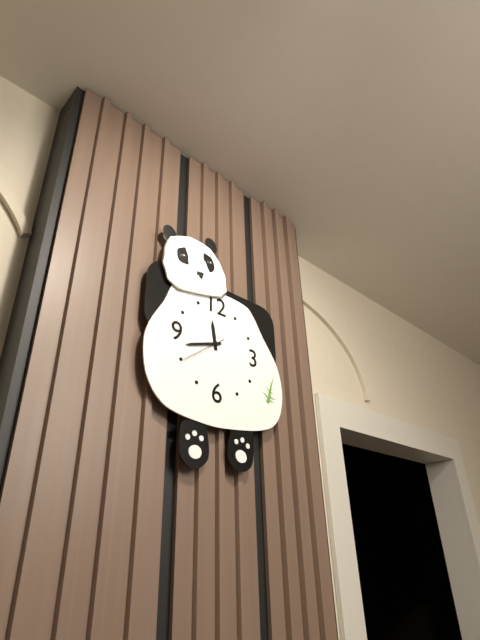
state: 11:42
